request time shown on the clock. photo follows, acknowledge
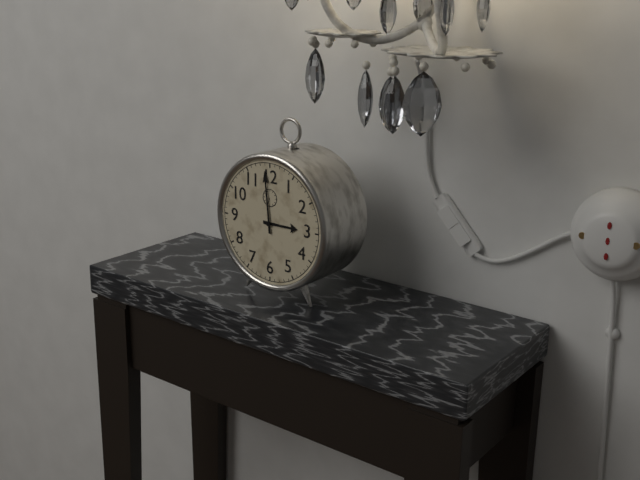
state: 2:59
